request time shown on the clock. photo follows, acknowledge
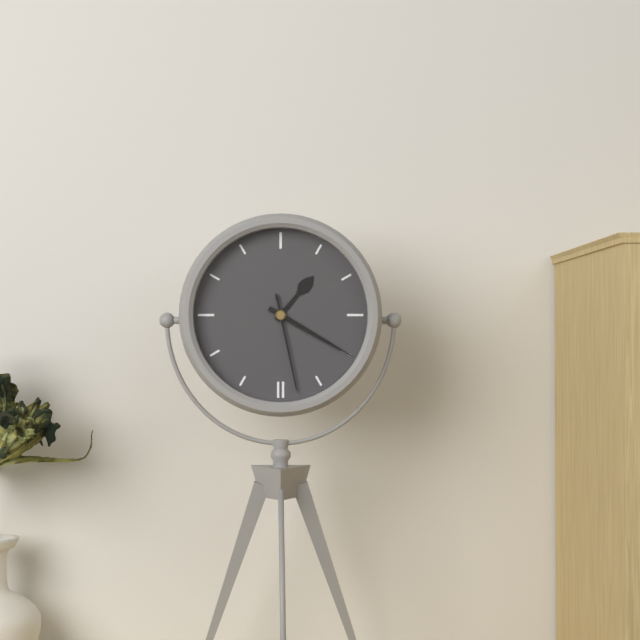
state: 1:20:28
